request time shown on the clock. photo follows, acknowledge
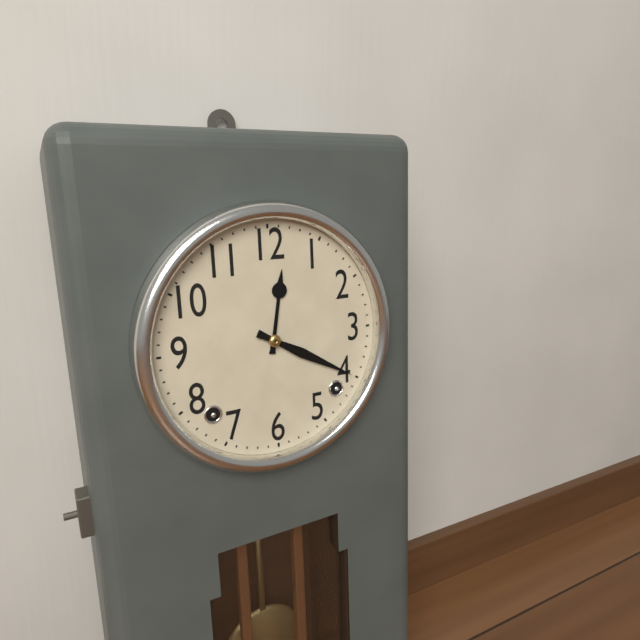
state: 12:20
